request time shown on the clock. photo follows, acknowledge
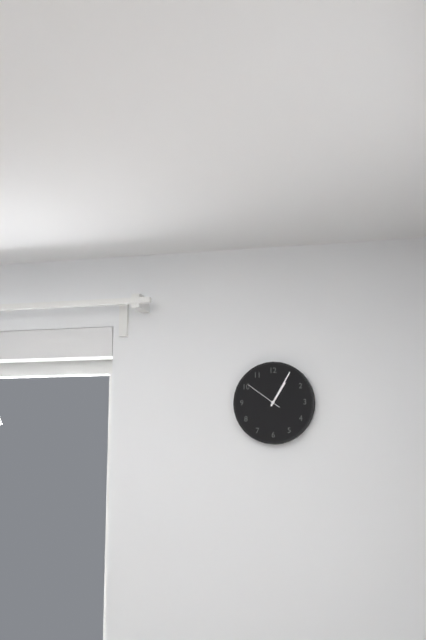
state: 1:05
